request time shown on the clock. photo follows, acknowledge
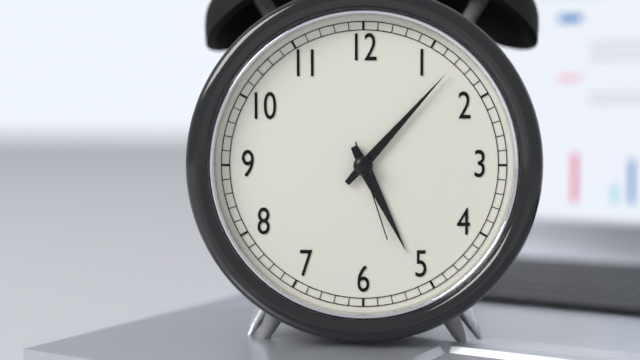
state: 5:07:27
